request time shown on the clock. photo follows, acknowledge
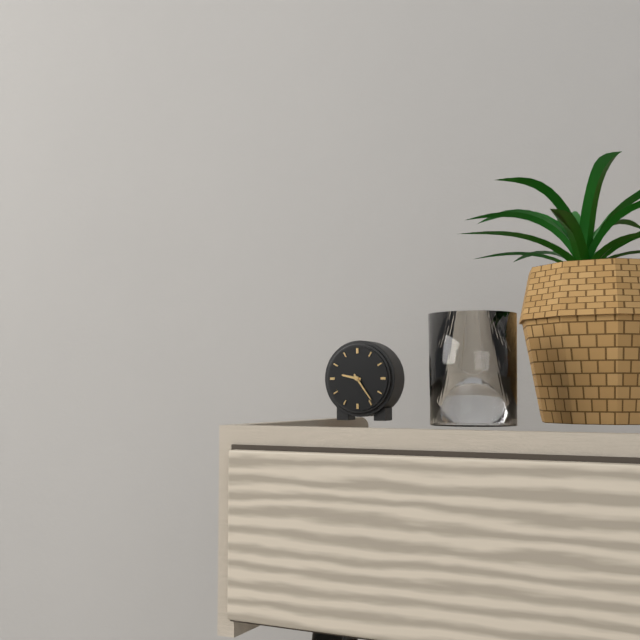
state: 9:24
